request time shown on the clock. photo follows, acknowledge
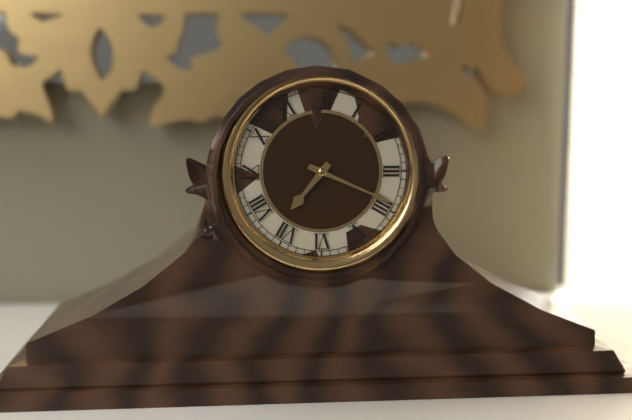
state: 7:19
